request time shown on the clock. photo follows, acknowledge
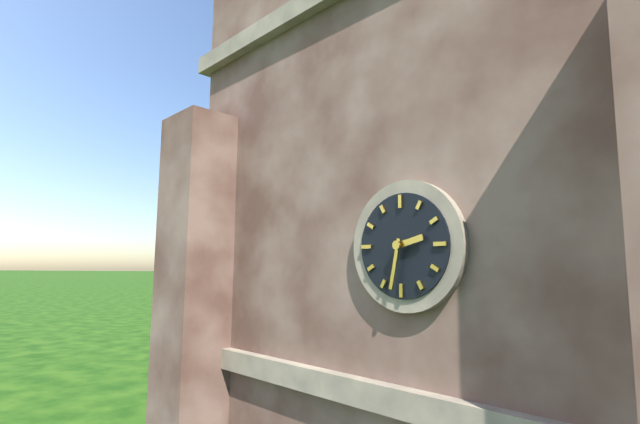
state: 2:32
